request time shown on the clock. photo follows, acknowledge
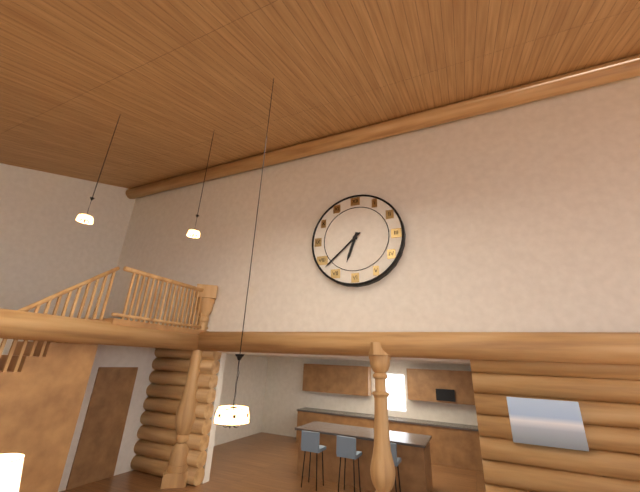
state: 6:38
